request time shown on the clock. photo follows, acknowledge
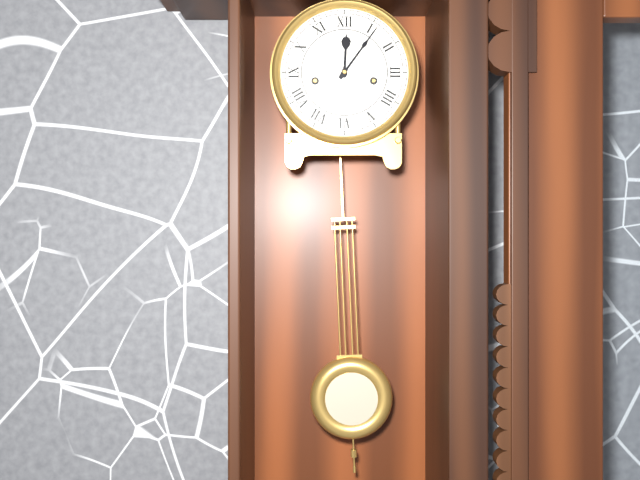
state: 12:06
